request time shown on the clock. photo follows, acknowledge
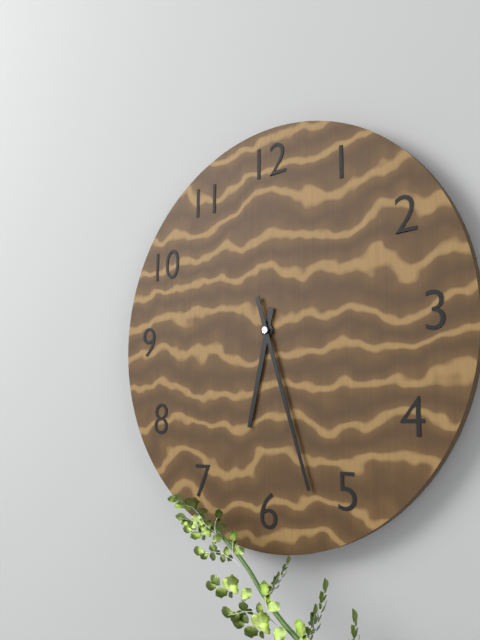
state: 6:27
